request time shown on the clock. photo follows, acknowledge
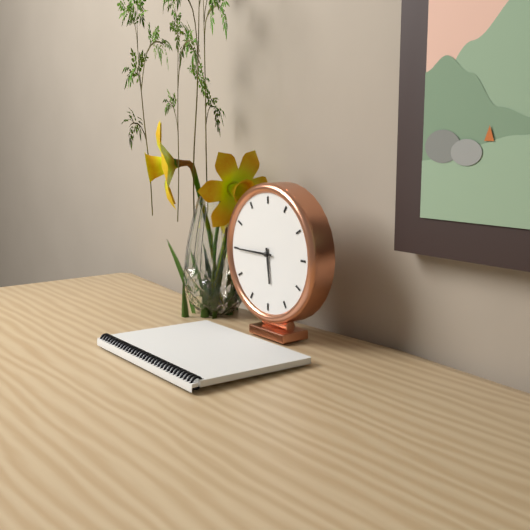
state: 5:45
